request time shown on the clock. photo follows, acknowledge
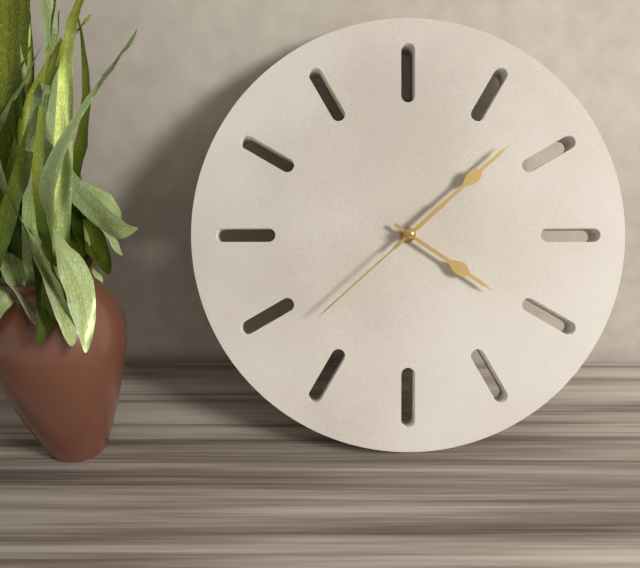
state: 4:08:38
